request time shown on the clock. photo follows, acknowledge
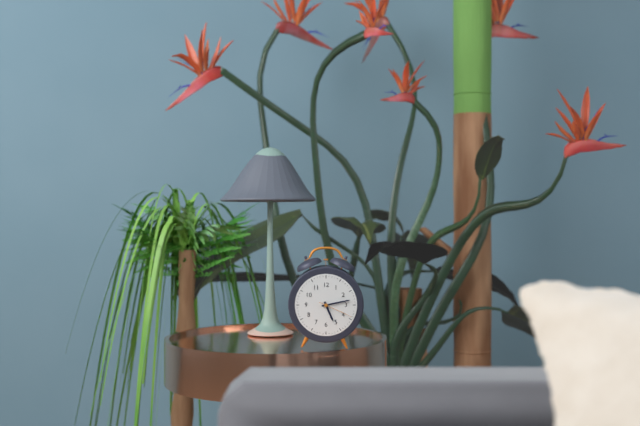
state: 5:13
